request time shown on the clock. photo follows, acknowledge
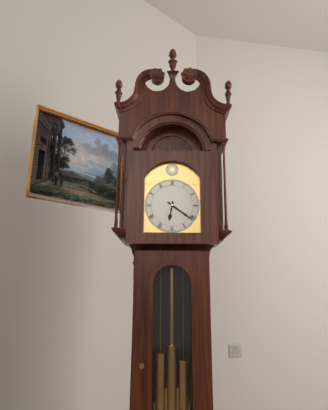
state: 6:21
